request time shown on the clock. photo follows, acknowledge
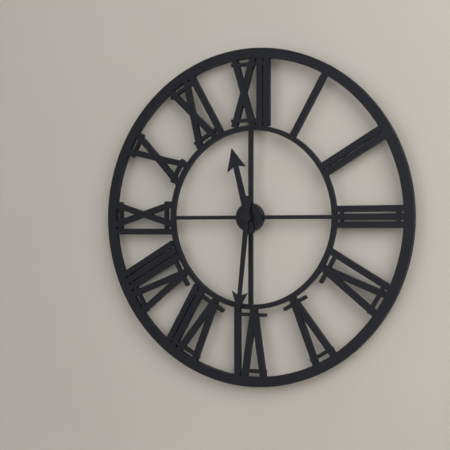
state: 11:31
